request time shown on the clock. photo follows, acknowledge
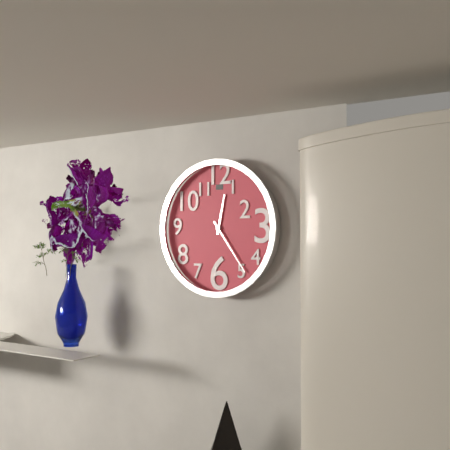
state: 12:24
